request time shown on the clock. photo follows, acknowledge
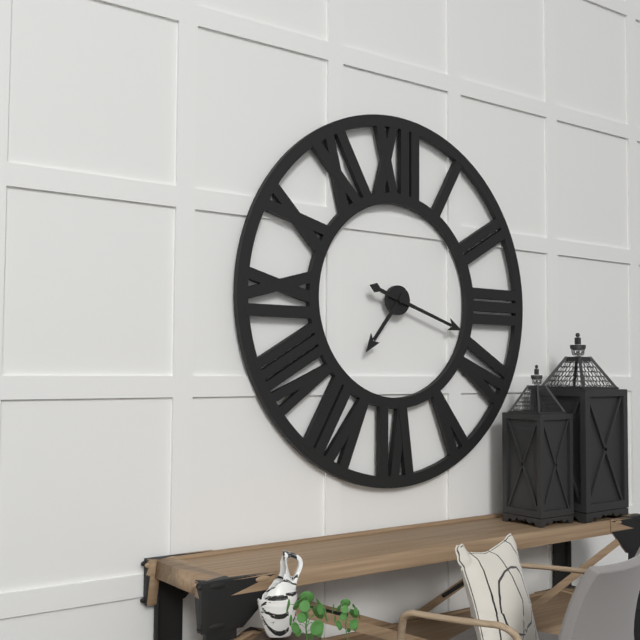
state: 7:18
